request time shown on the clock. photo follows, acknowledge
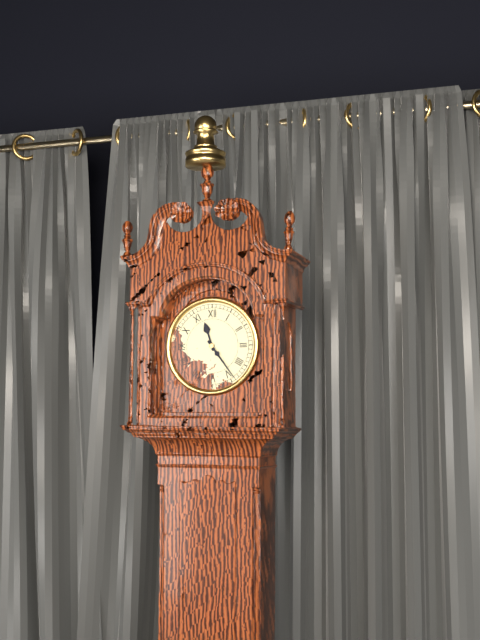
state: 11:24
